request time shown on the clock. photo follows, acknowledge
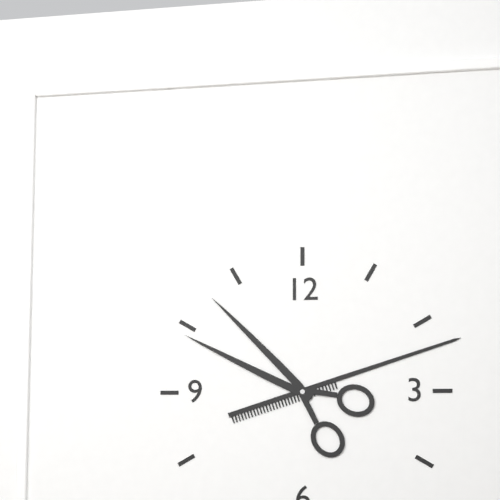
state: 10:12
